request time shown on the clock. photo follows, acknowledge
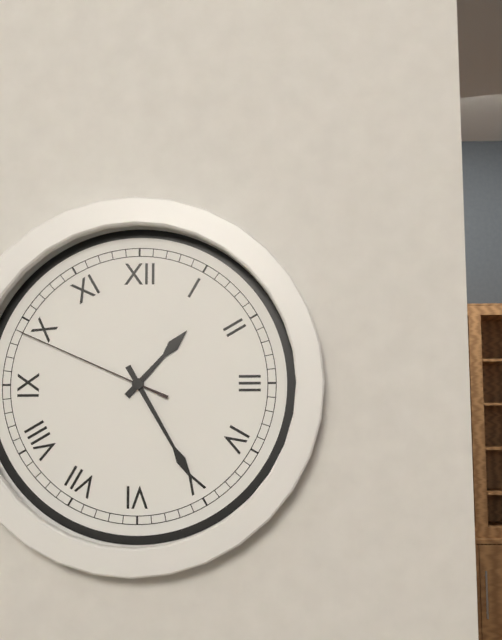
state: 1:25:49
